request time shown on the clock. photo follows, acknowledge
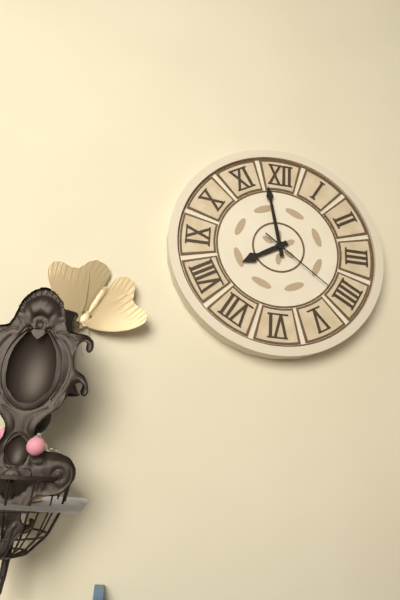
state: 7:58:21
